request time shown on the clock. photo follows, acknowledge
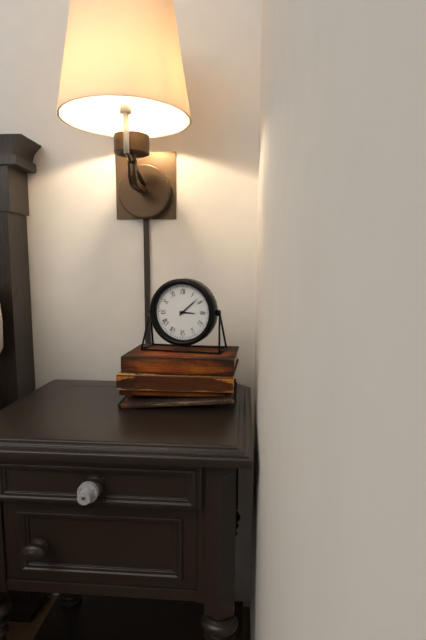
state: 3:08
